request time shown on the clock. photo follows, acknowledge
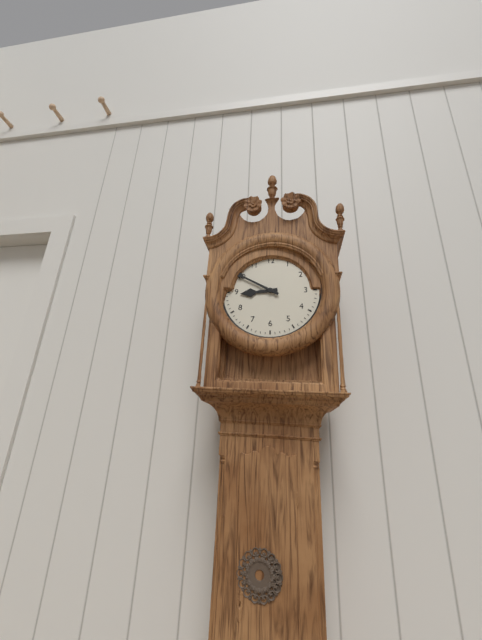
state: 8:50
